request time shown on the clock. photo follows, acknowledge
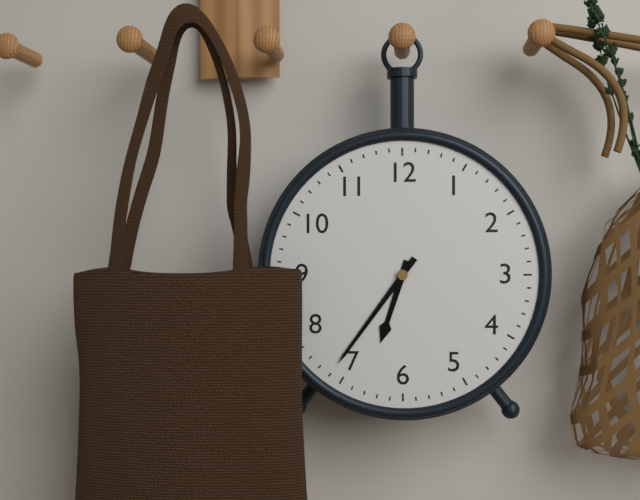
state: 6:36
